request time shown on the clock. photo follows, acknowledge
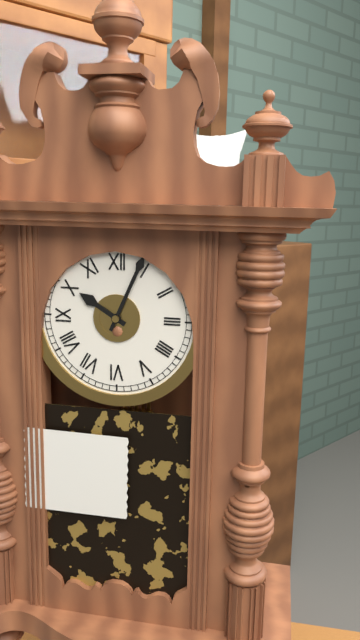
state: 10:04
